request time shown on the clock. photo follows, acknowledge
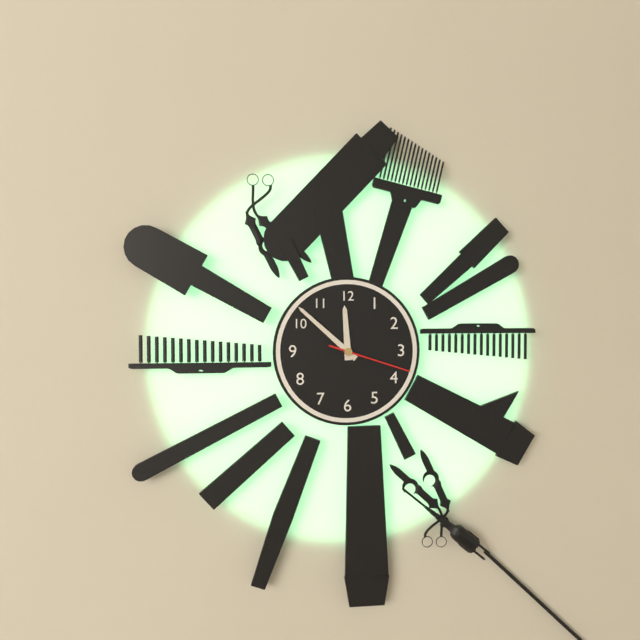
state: 11:52:18
